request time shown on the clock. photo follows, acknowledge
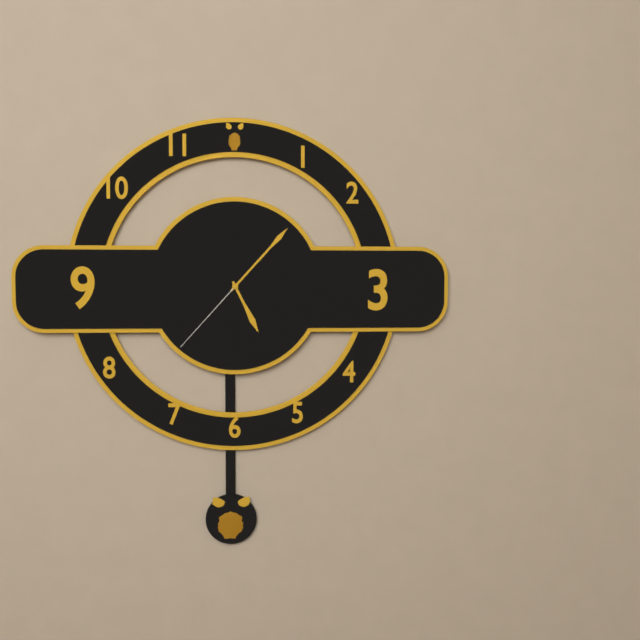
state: 5:07:37
